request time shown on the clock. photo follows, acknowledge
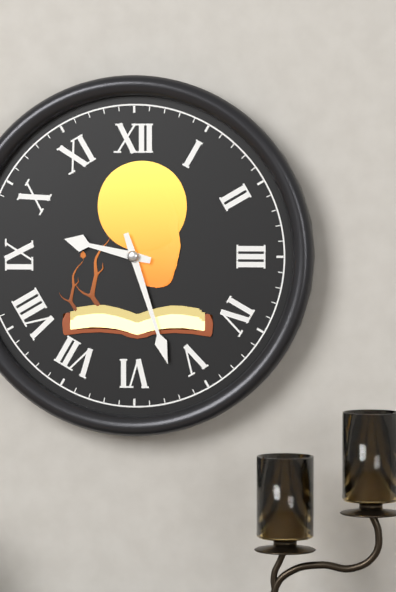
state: 9:27
